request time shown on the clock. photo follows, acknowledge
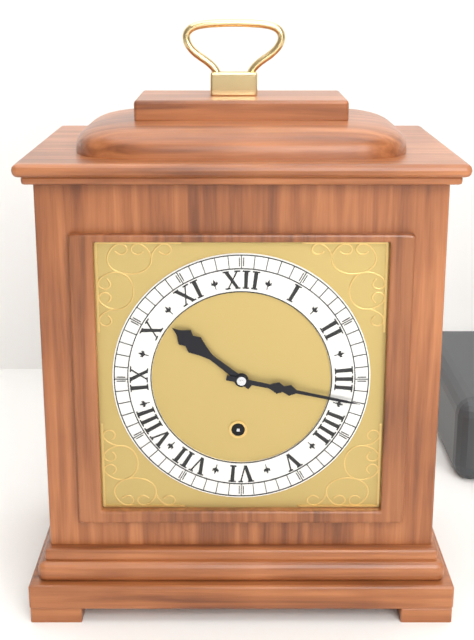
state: 10:17
